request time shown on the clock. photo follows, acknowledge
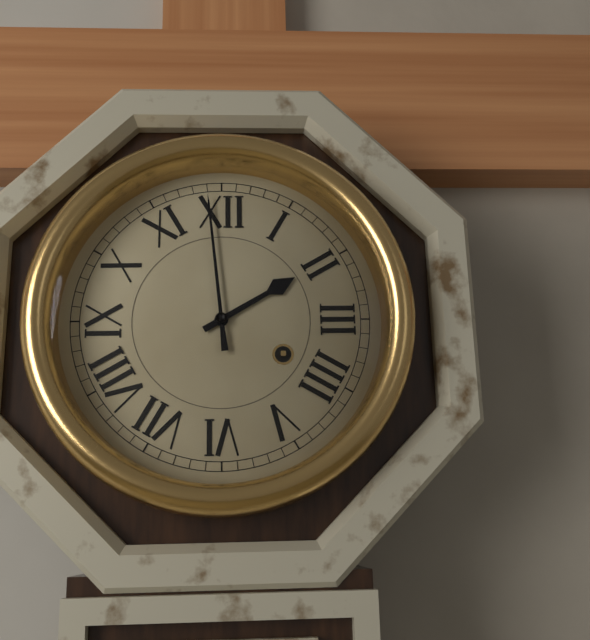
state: 1:59
